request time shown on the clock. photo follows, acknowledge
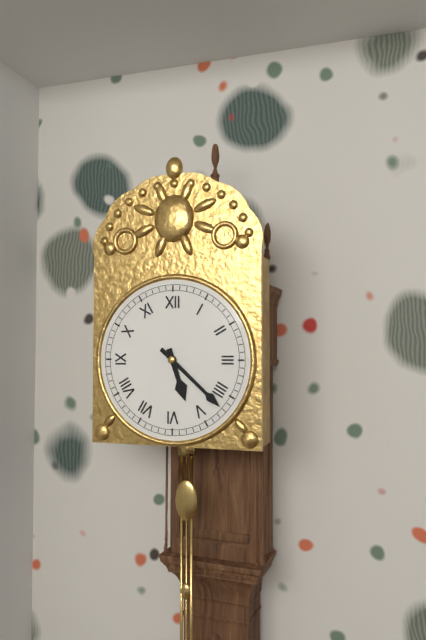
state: 5:22
